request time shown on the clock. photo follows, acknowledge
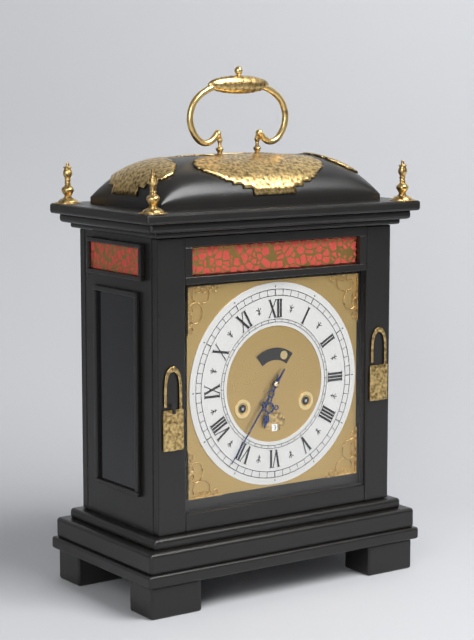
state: 6:36
